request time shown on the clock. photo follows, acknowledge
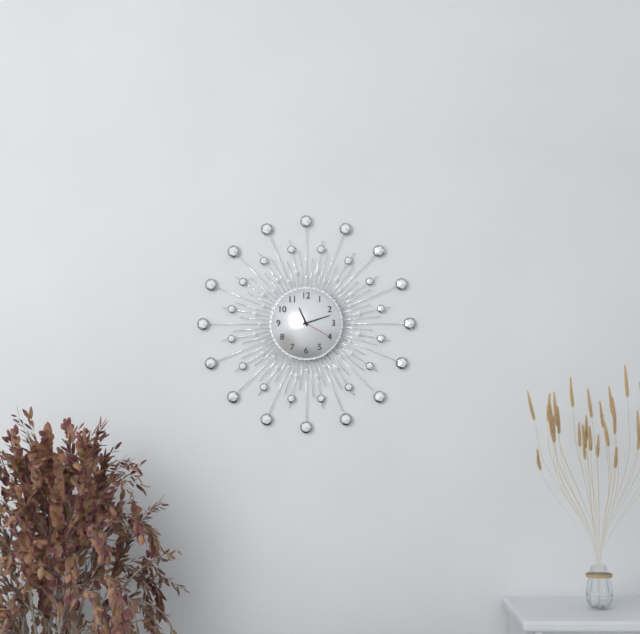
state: 11:12
